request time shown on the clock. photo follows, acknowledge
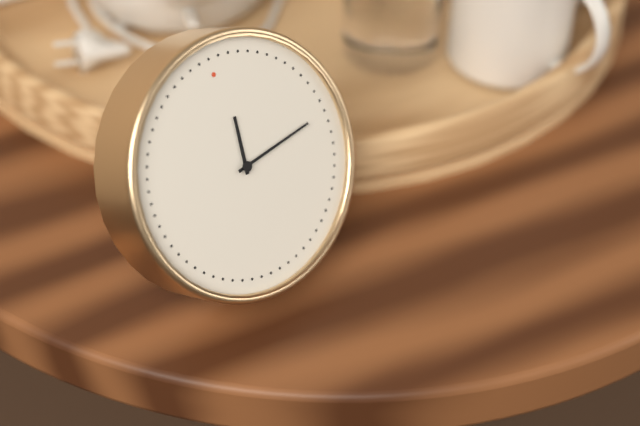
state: 12:14
